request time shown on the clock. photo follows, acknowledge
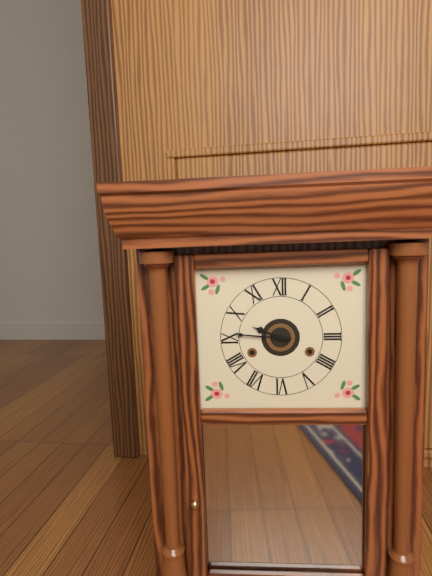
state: 9:46
